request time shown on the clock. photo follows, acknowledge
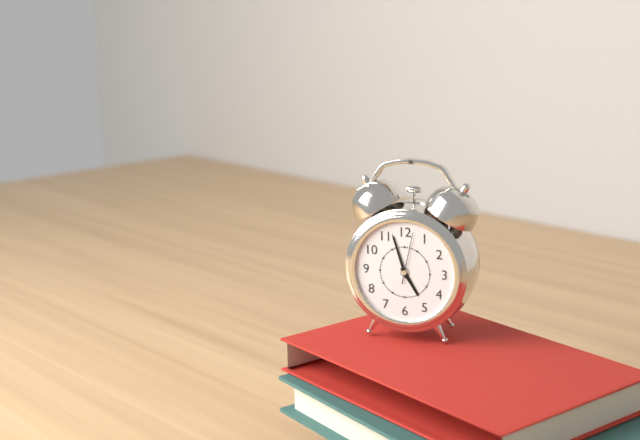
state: 4:57:02
